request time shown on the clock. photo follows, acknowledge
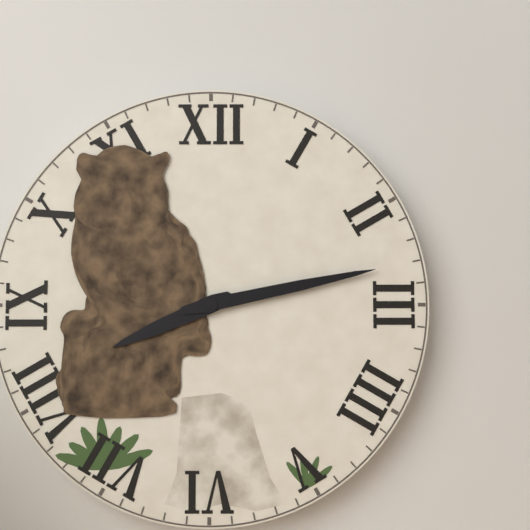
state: 8:13
